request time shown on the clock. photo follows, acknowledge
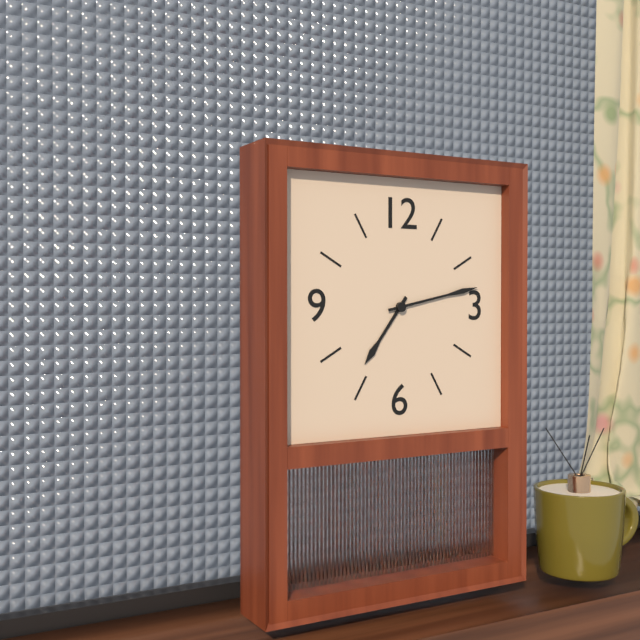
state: 7:13
